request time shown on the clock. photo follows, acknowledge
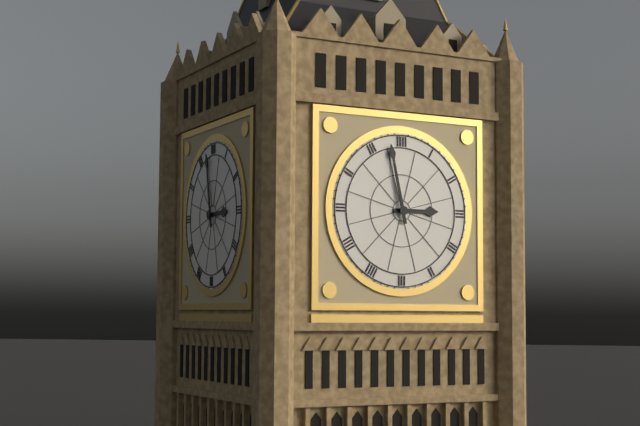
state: 2:58
